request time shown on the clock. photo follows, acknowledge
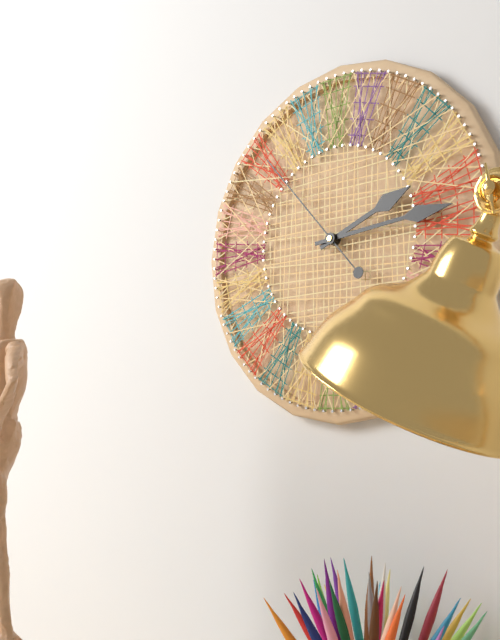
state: 2:14:53
